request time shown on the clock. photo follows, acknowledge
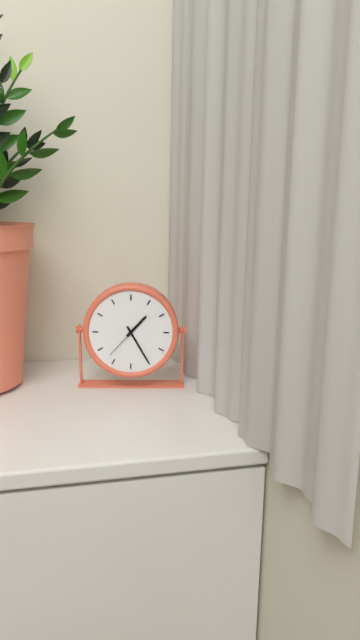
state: 1:25
